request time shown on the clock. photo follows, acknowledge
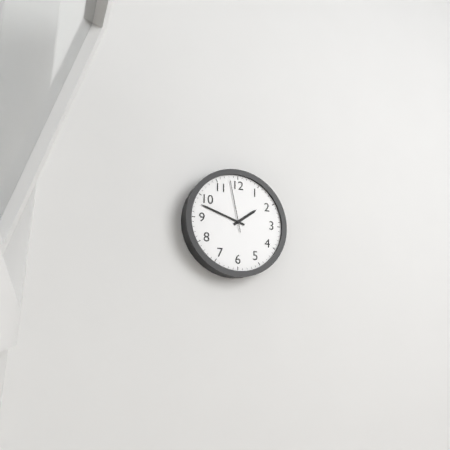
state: 1:48:58
